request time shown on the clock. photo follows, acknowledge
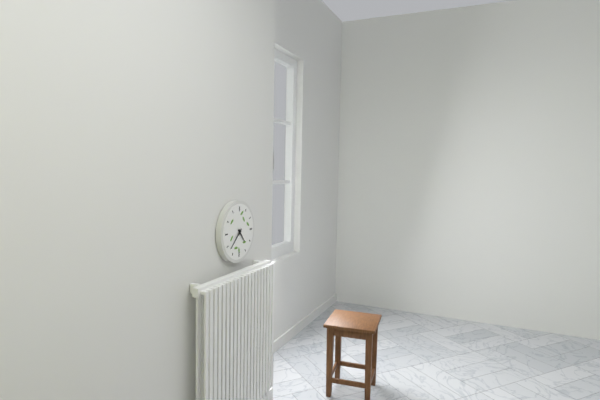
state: 4:38
